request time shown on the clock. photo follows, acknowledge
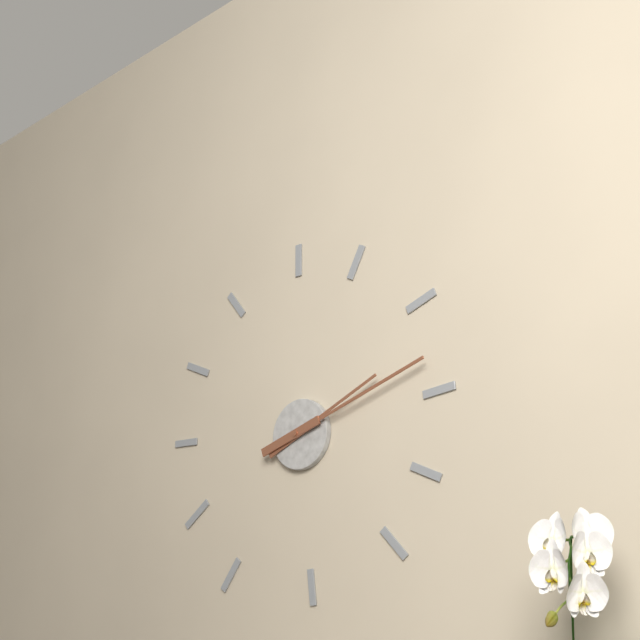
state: 2:12
